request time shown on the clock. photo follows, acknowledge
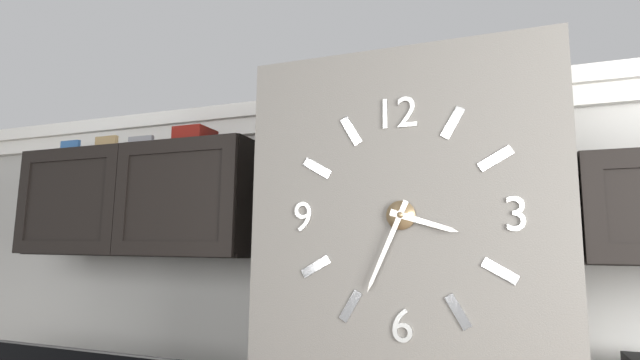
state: 3:34
